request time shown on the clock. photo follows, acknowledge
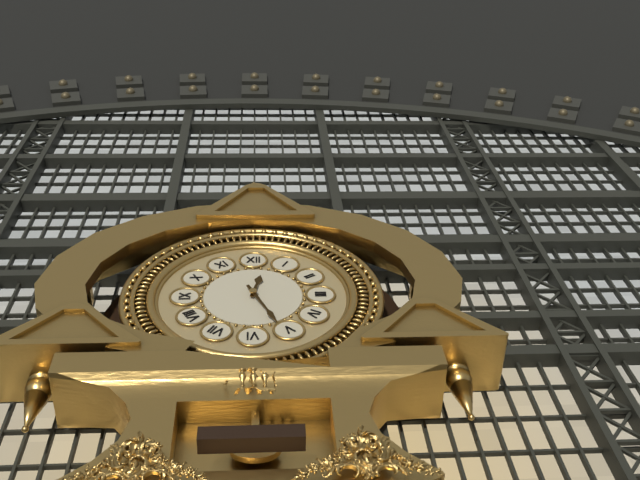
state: 12:26
